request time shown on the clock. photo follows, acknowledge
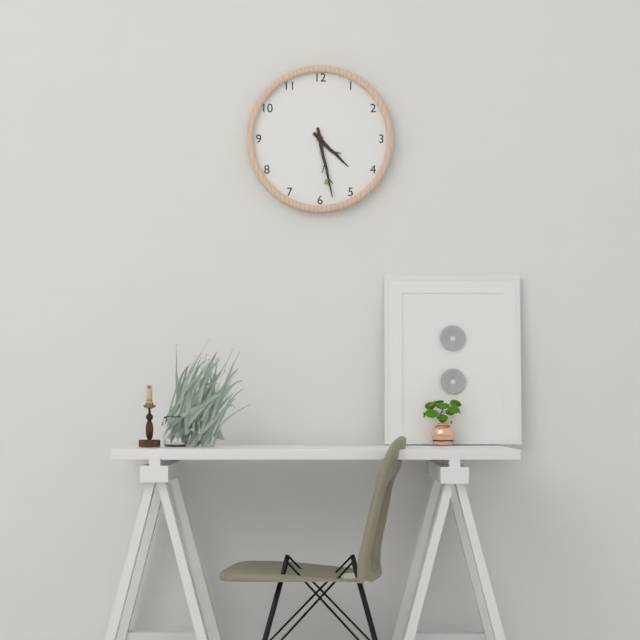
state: 4:28
